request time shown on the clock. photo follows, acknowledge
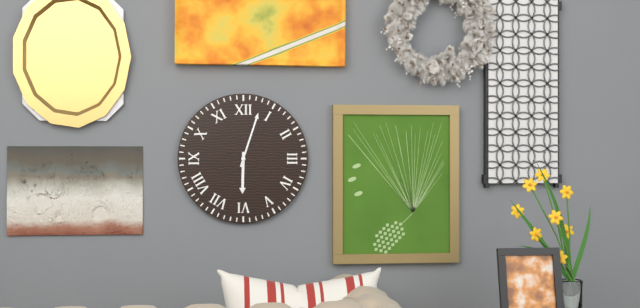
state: 6:03
